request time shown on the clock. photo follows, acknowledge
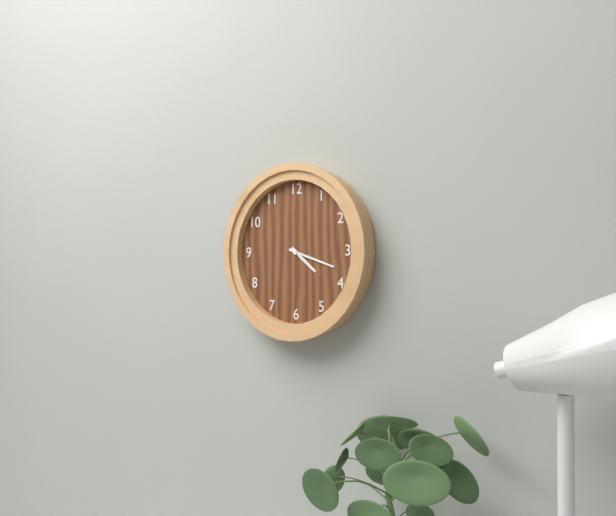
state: 4:18
